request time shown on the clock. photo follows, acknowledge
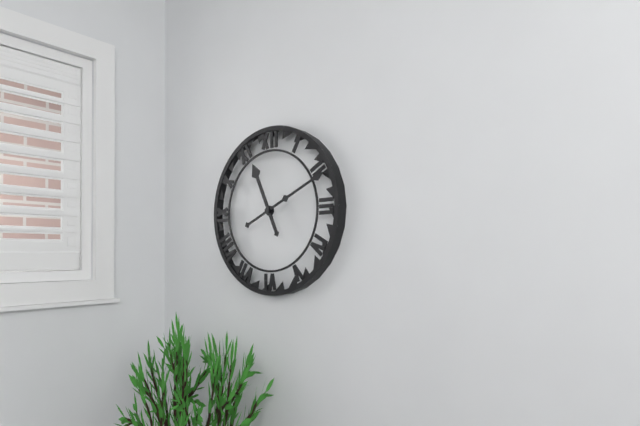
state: 11:11
